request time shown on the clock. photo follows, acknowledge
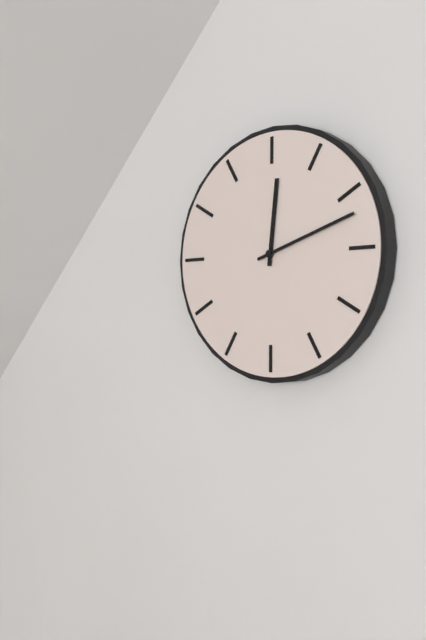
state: 12:12
